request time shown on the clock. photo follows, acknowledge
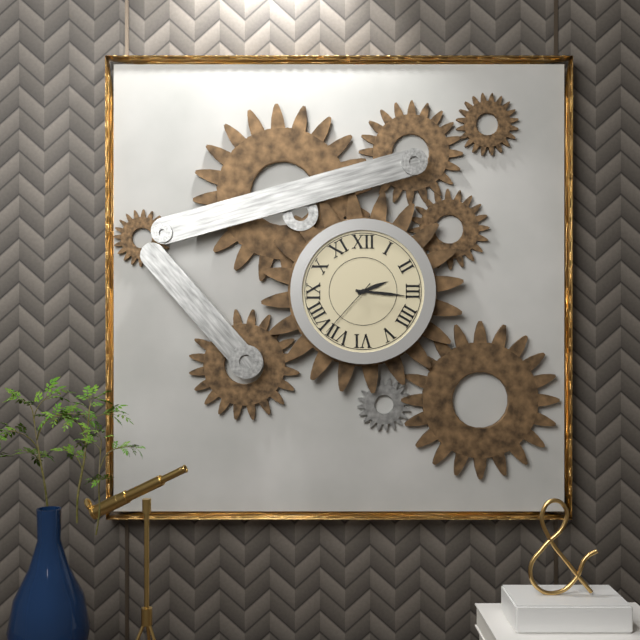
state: 2:16:37
